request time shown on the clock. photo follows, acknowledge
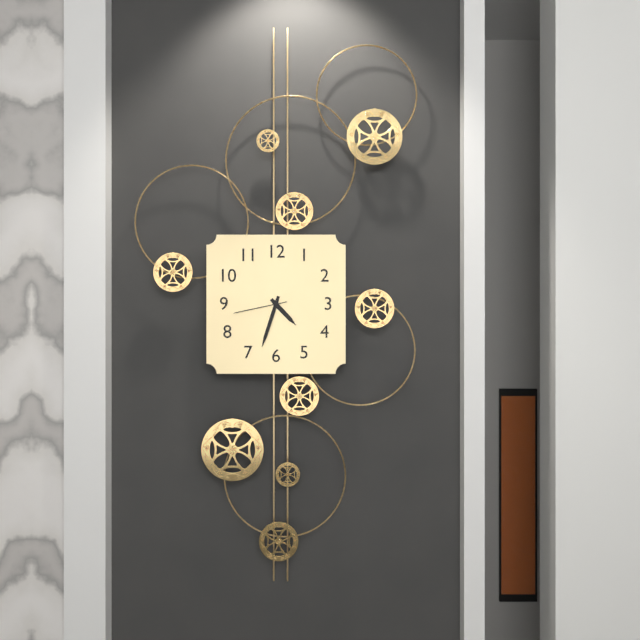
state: 4:33:43
